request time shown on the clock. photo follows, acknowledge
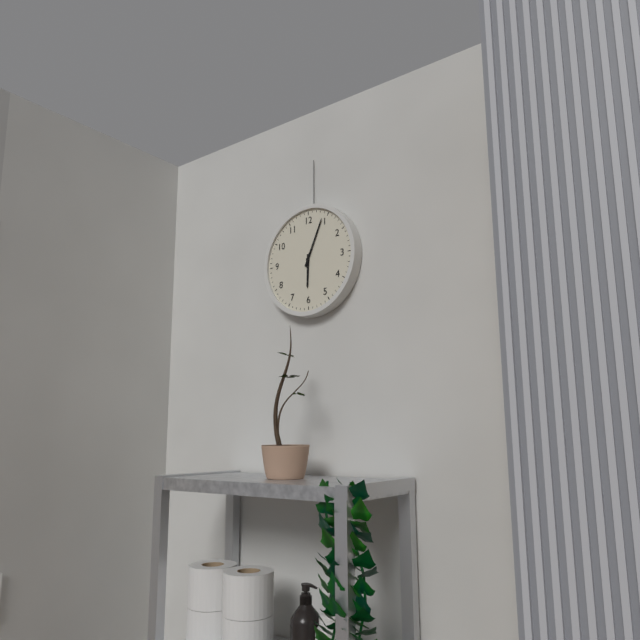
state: 6:04
